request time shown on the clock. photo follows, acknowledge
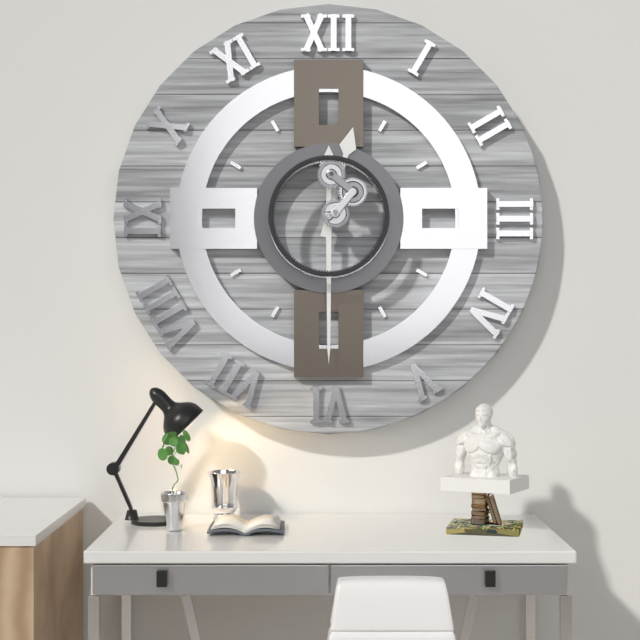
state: 12:30
